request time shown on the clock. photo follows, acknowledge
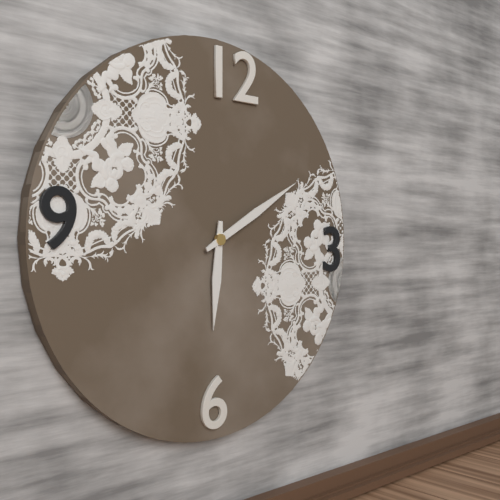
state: 6:10
